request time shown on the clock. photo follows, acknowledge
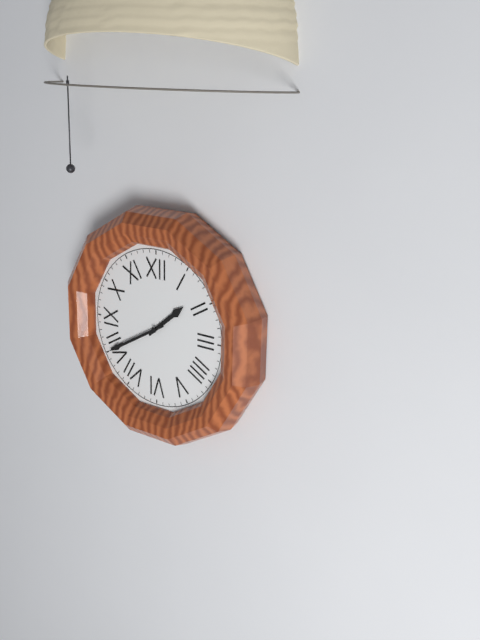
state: 1:40
